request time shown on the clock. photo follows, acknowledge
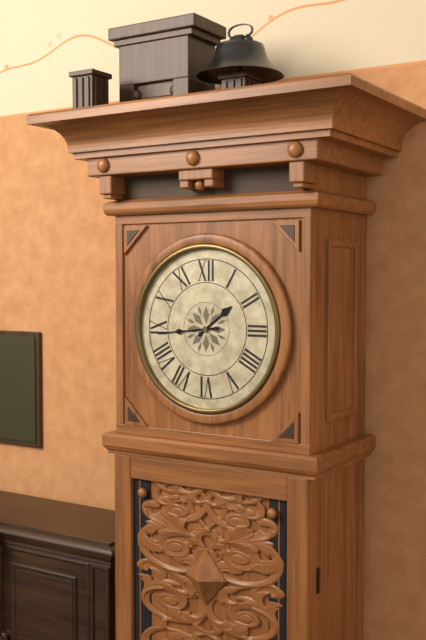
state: 1:44
